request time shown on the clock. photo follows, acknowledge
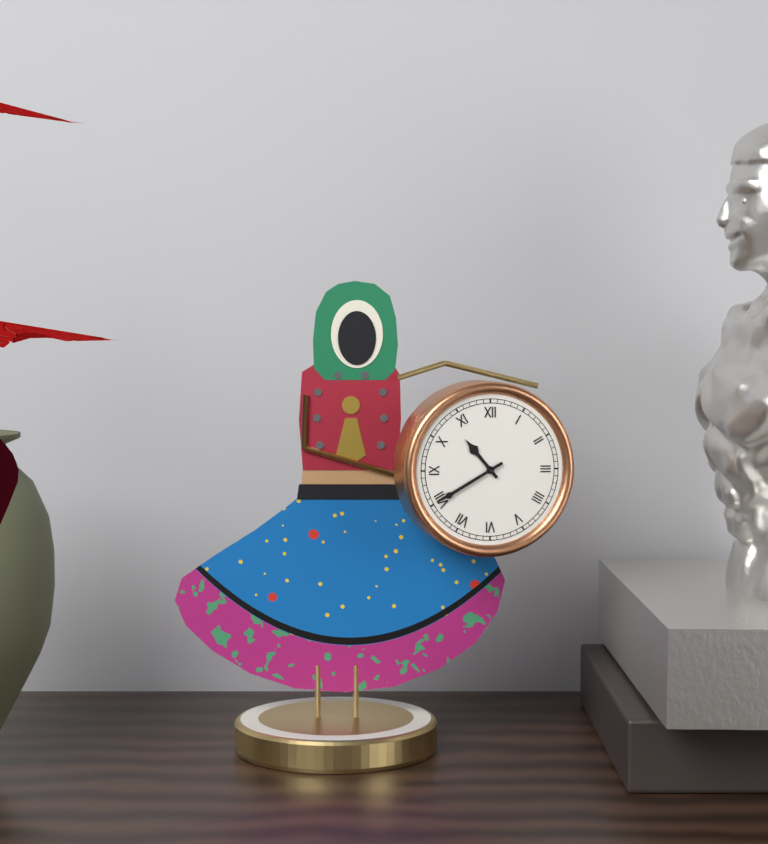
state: 10:40
